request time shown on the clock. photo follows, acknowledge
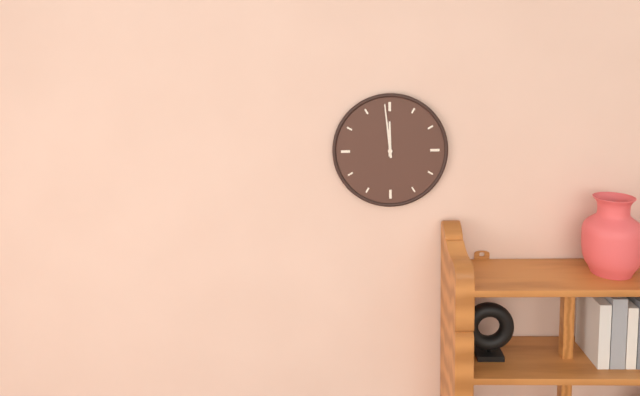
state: 11:59
